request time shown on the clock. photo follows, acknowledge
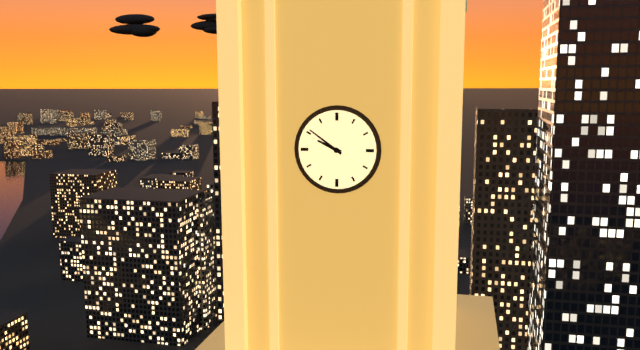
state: 9:51
